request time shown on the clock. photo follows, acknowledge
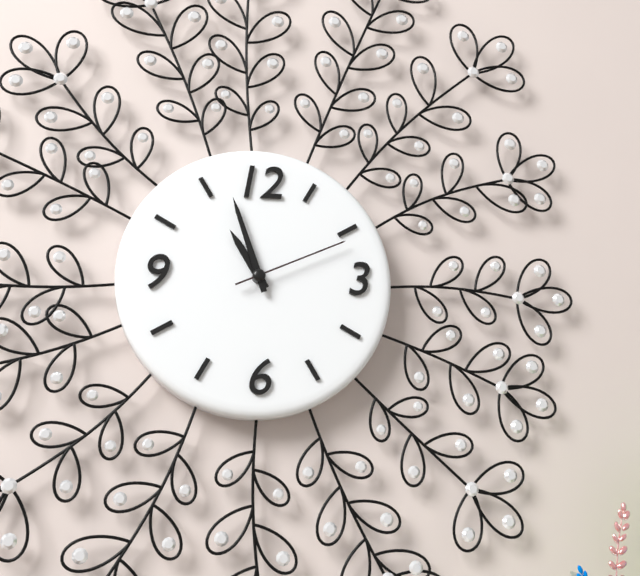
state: 10:57:11
